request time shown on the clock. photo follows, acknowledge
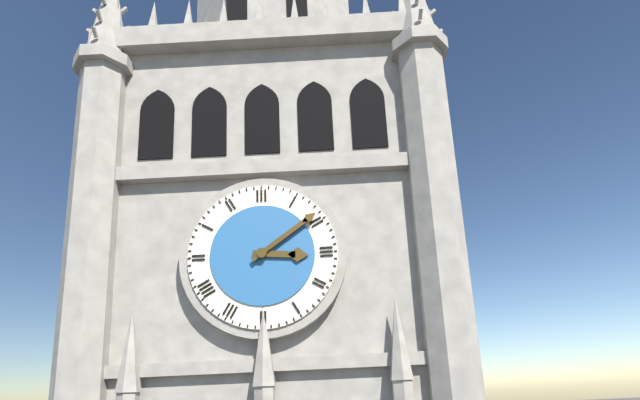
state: 3:09
